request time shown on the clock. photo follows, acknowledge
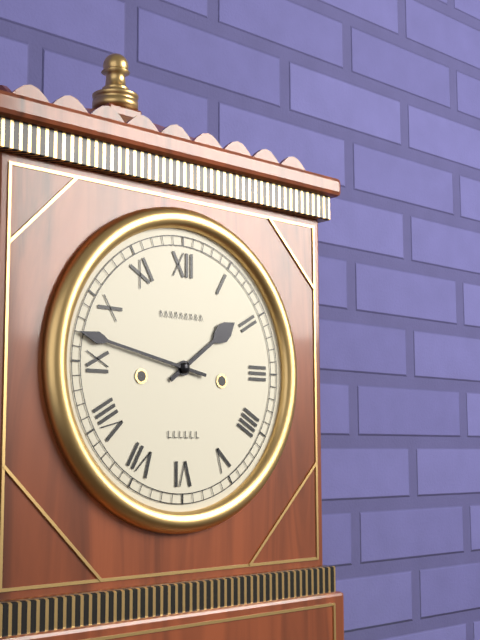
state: 1:47
